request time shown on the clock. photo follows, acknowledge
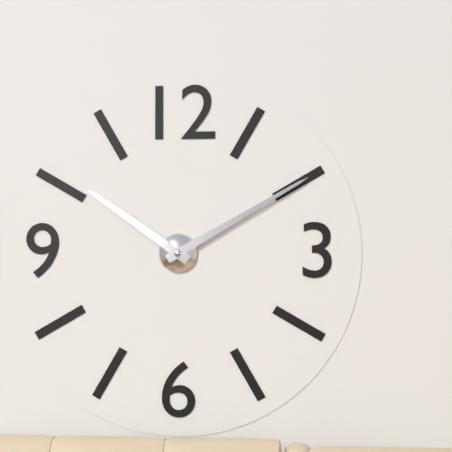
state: 10:10
